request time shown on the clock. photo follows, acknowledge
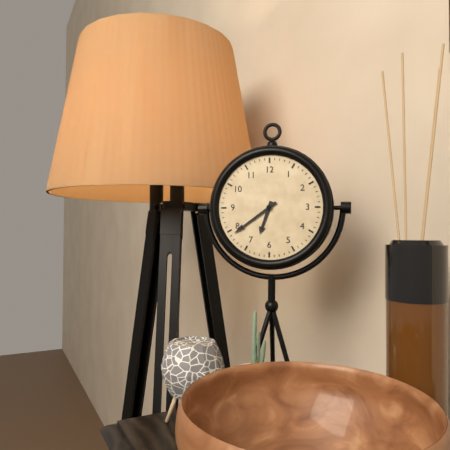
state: 6:39
